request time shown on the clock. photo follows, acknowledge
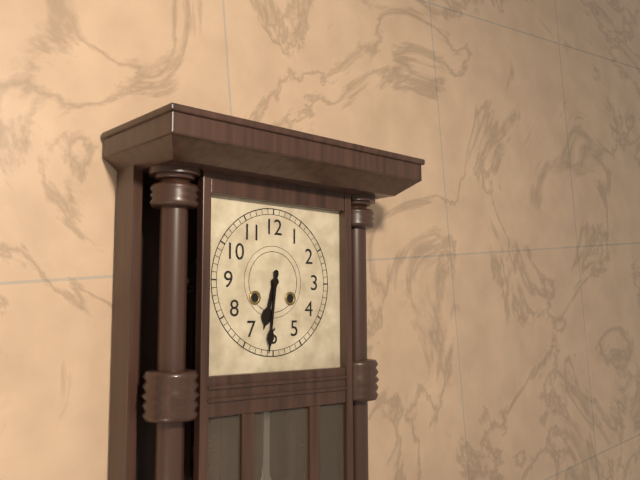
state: 6:31
